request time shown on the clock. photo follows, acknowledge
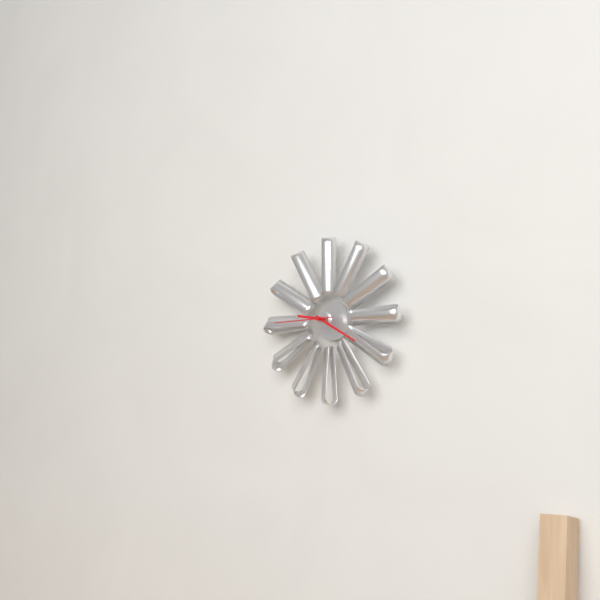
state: 9:20:45
